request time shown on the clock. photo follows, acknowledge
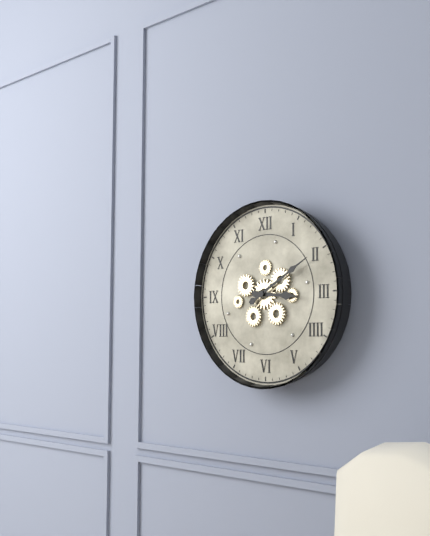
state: 3:10
